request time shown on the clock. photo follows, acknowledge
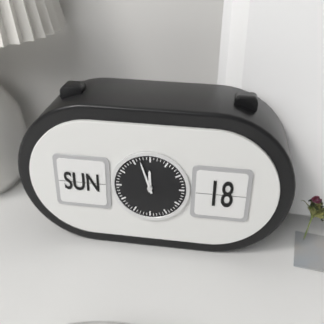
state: 11:57
